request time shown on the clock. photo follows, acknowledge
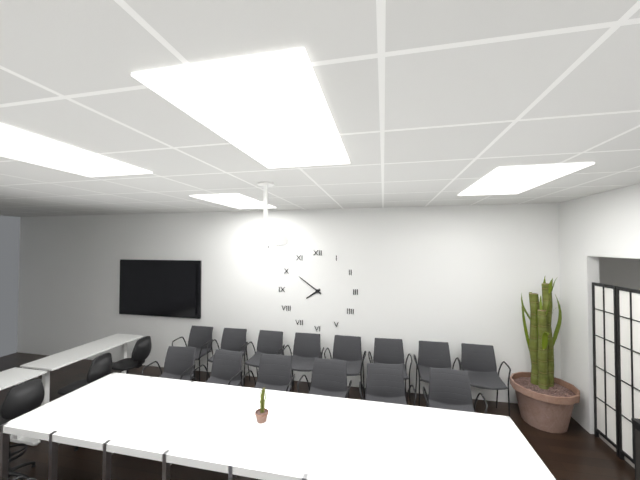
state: 7:51
